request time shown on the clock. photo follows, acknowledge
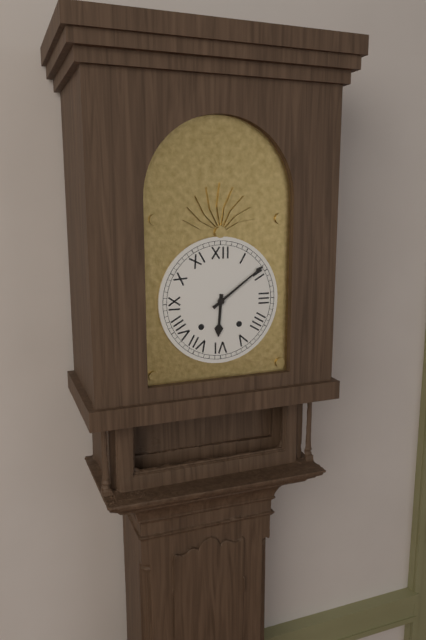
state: 6:09
